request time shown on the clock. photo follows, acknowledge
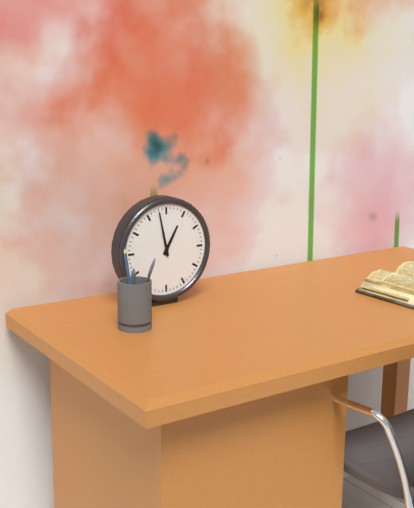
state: 12:58
